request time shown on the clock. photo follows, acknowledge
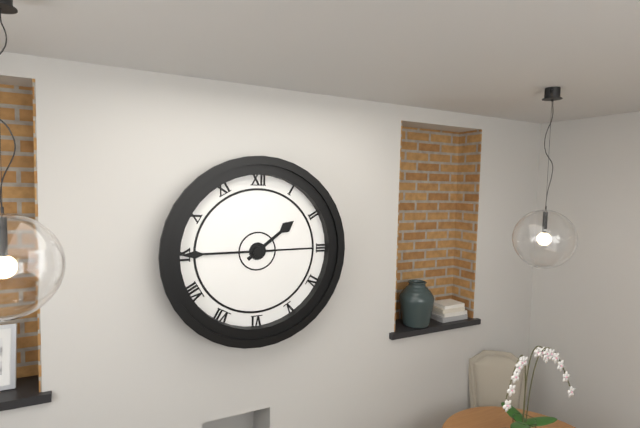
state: 1:45
